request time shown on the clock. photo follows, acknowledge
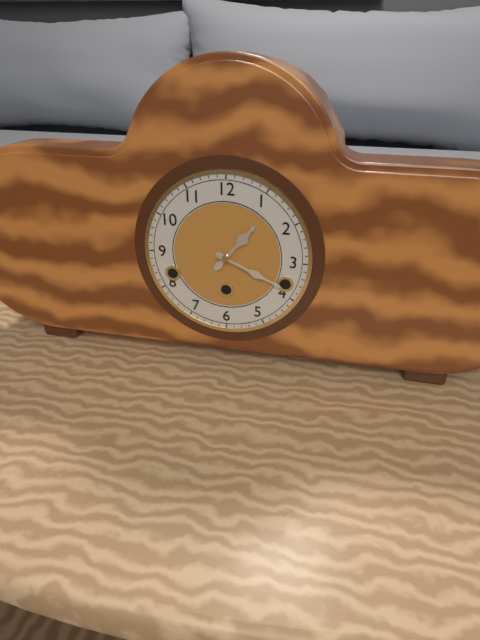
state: 1:19
